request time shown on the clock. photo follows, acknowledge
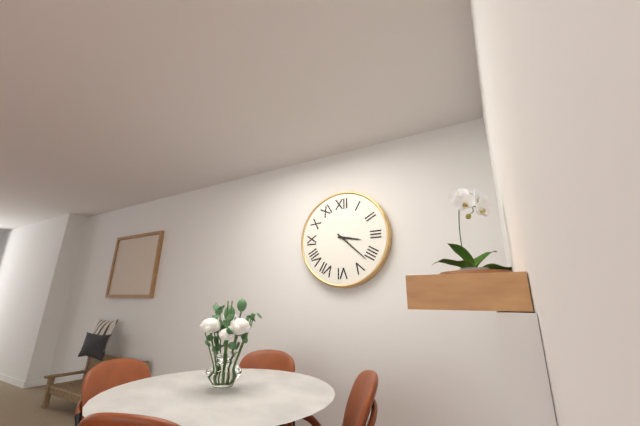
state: 3:22
